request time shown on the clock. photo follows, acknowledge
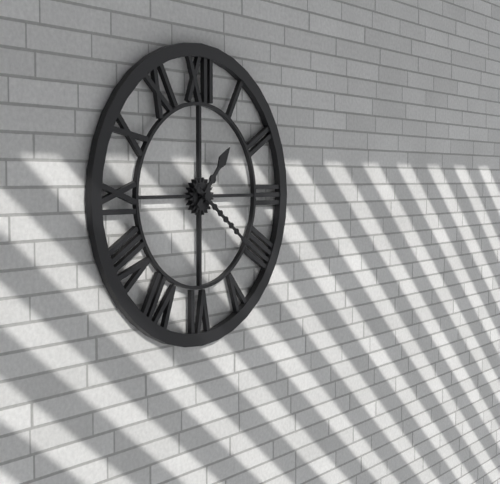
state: 1:21
